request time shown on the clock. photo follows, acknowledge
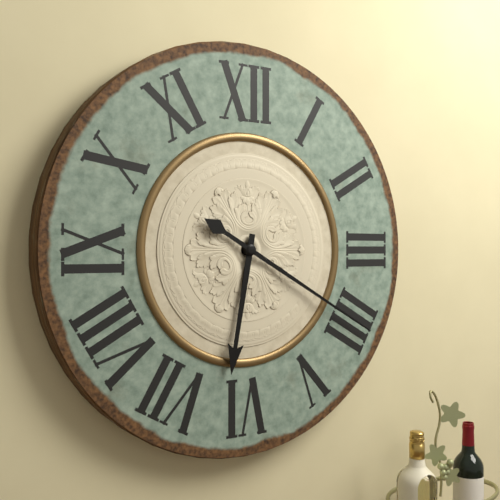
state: 6:20
